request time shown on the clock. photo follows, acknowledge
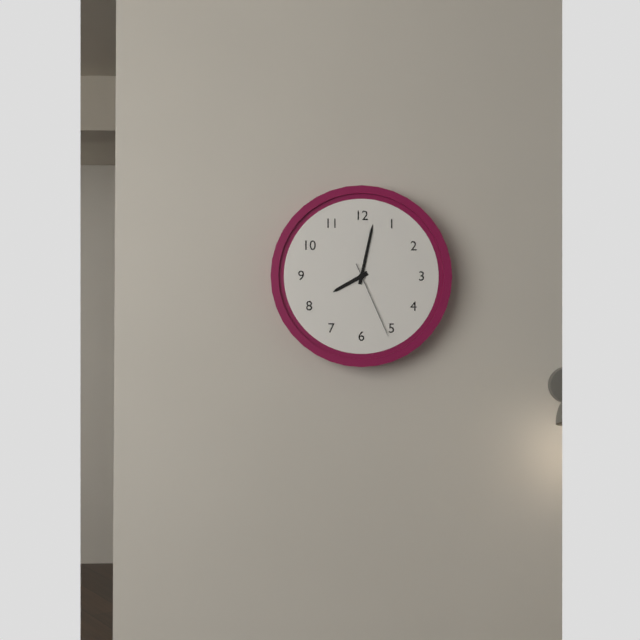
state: 8:02:26
